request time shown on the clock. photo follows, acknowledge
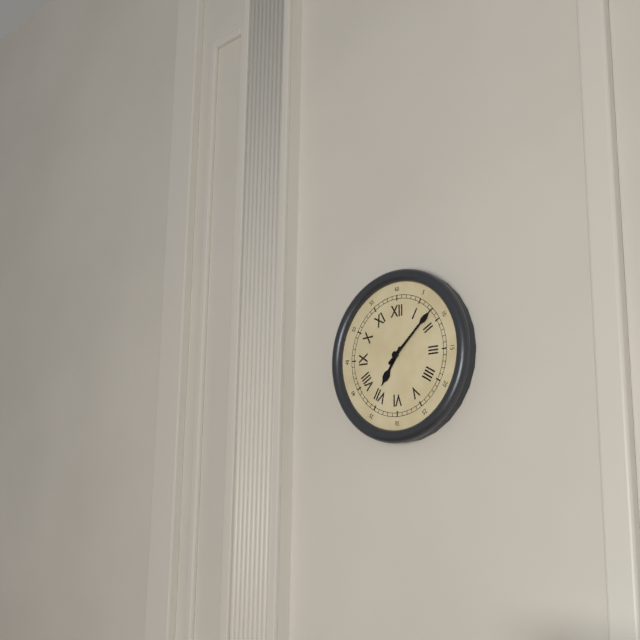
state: 7:08
